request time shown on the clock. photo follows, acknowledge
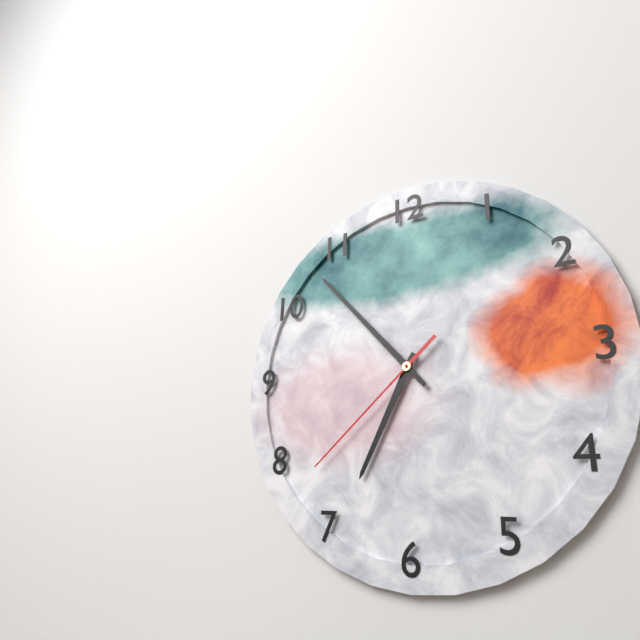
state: 6:53:38
